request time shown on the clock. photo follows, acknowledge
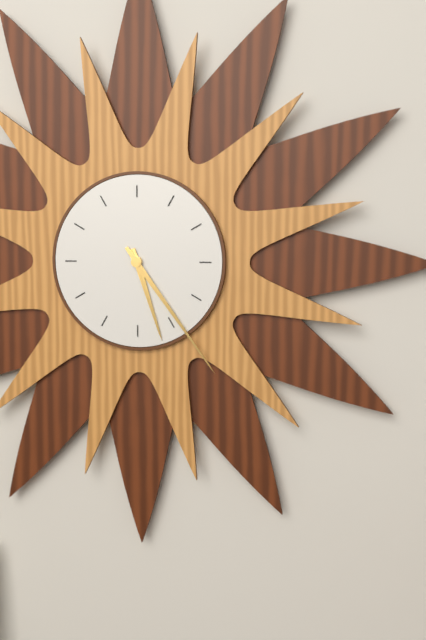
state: 5:24
